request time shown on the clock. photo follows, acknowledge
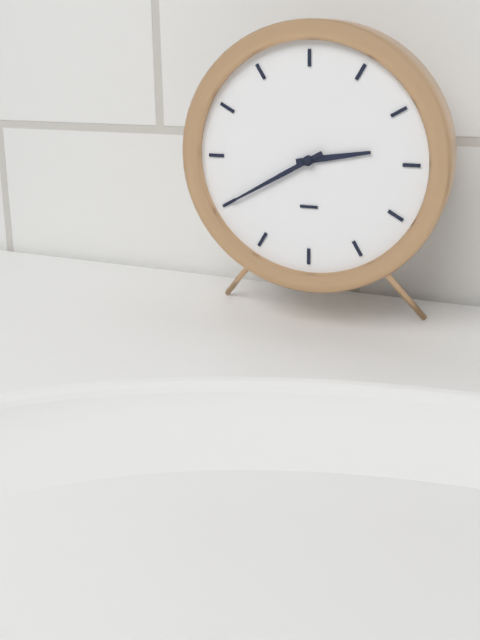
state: 2:40
